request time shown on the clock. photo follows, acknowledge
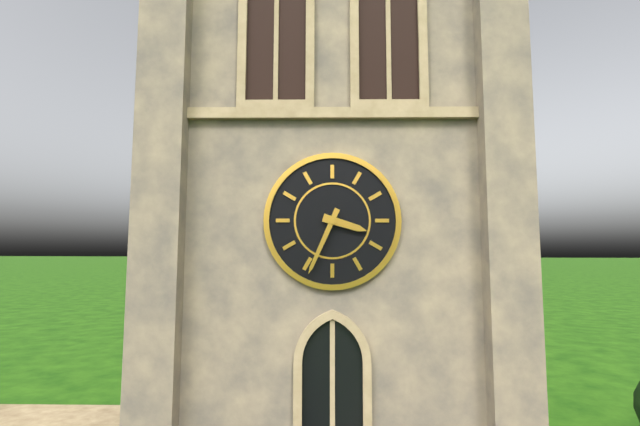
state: 3:34
